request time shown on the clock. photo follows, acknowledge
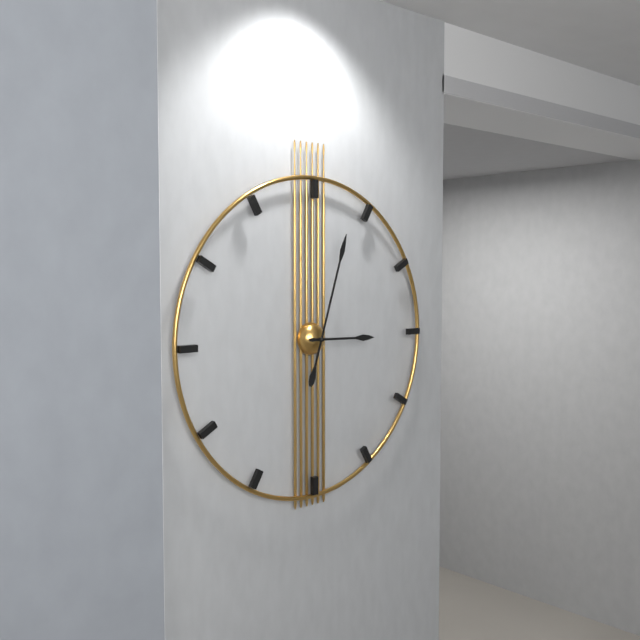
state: 3:03
